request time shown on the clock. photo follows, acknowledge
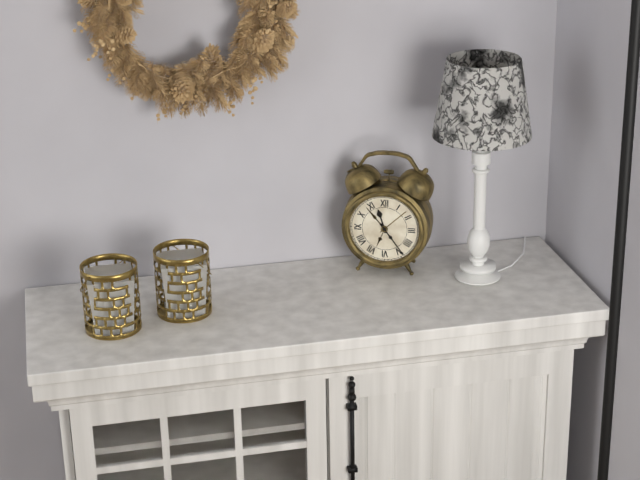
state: 11:24
